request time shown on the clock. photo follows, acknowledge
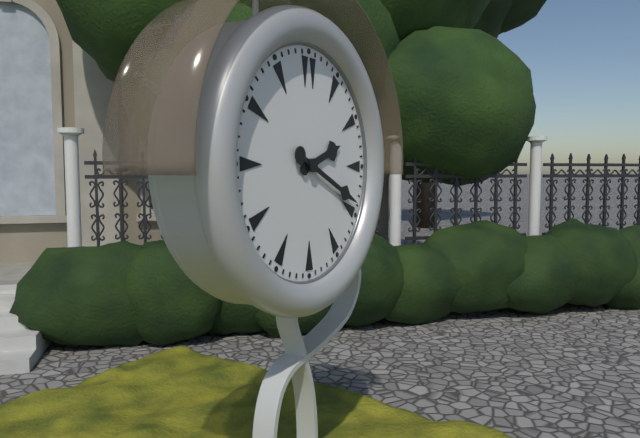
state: 2:19
